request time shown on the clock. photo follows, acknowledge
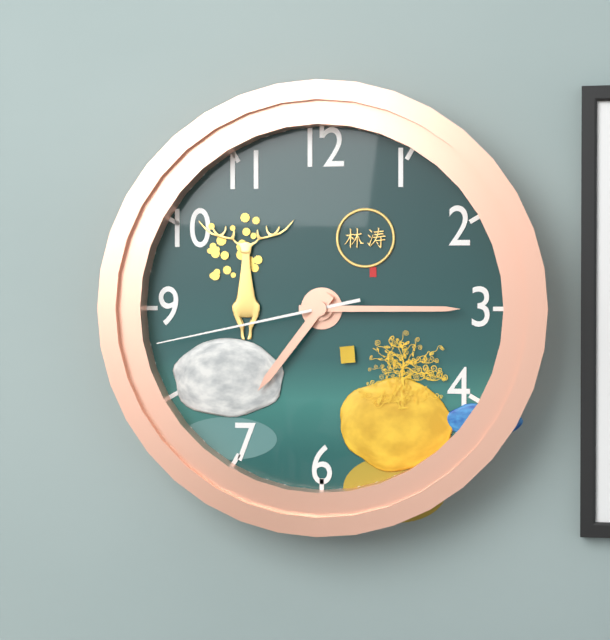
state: 7:15:43
